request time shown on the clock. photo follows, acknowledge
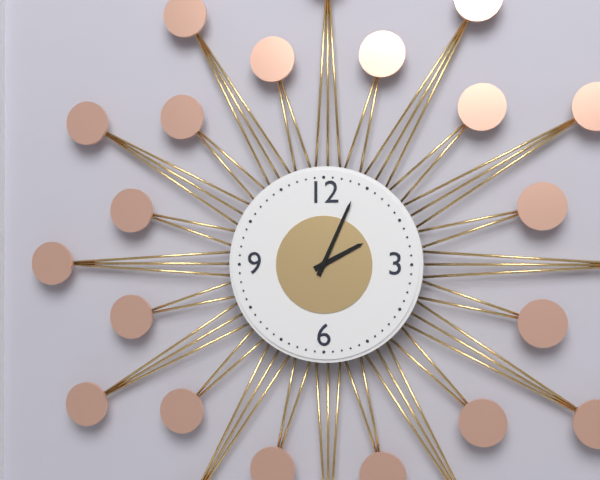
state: 2:04
